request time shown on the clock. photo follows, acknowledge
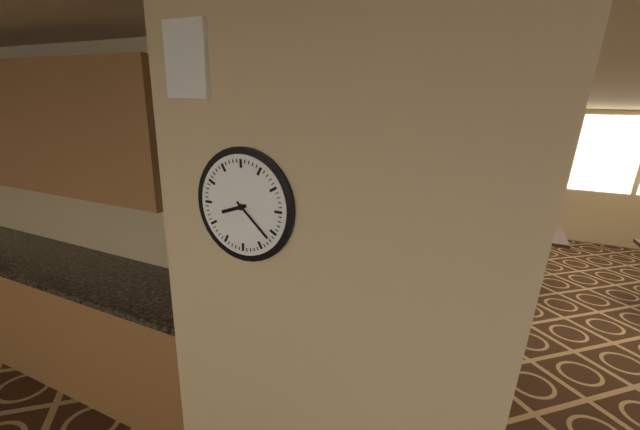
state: 8:22
